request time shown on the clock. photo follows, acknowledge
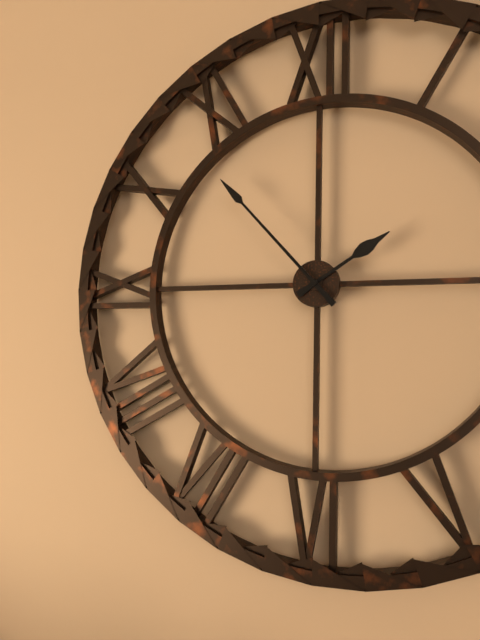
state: 1:53
